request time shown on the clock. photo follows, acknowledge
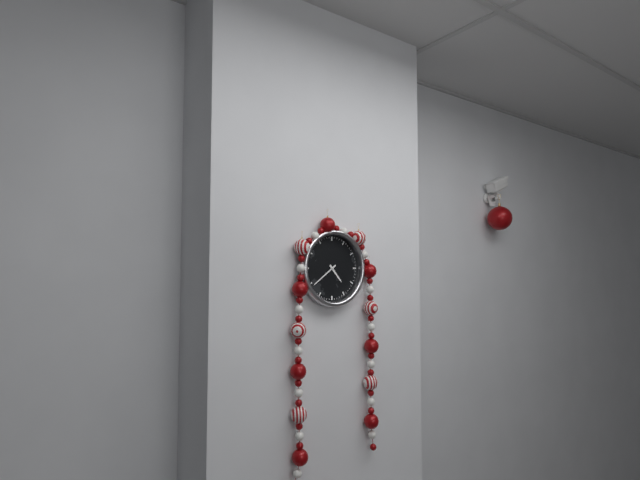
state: 4:39
